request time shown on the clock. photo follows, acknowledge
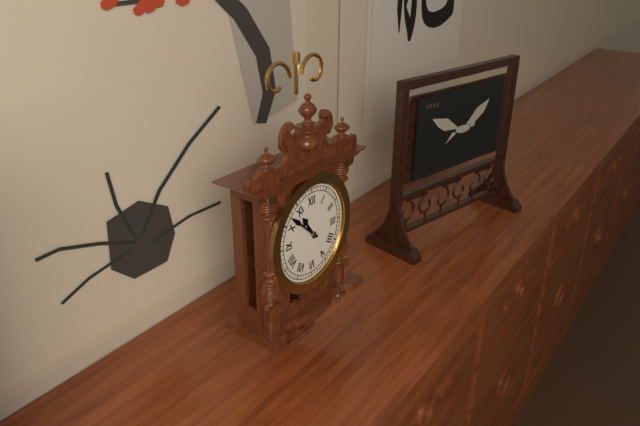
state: 10:52
